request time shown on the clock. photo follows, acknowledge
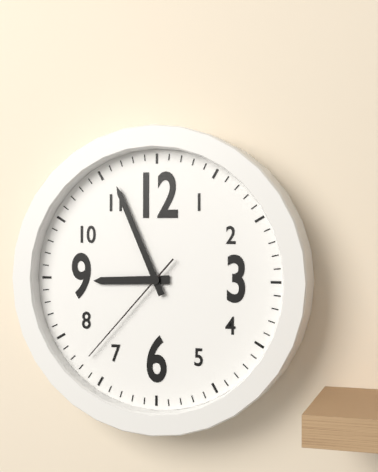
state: 8:56:37
